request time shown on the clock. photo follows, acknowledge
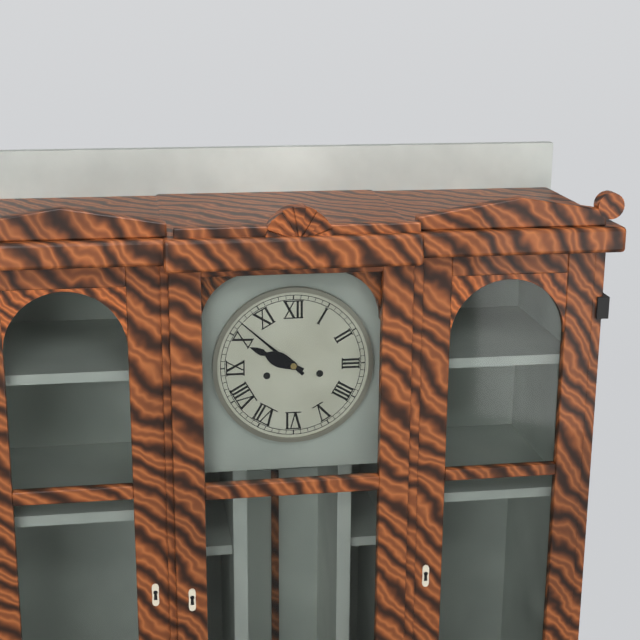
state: 9:52
